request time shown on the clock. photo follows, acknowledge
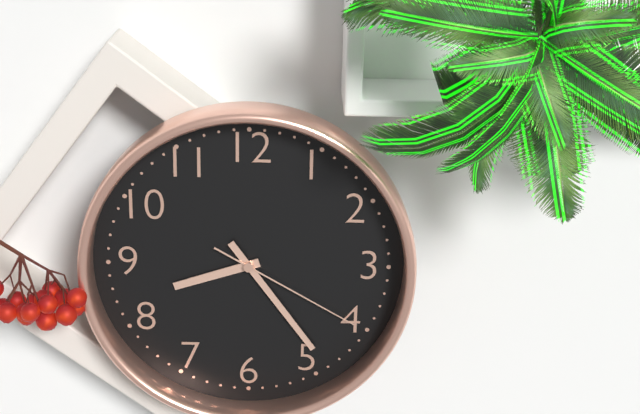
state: 8:24:20
